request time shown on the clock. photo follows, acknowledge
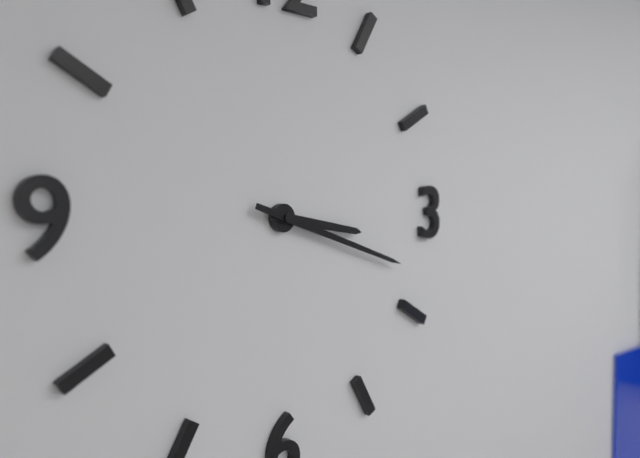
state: 3:18
